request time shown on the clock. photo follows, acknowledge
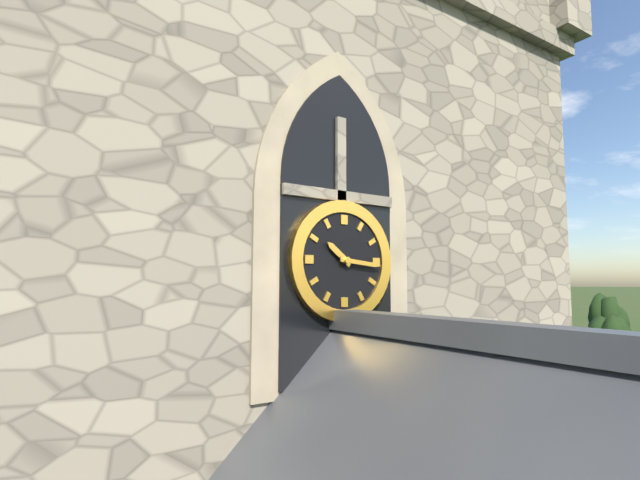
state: 10:16
